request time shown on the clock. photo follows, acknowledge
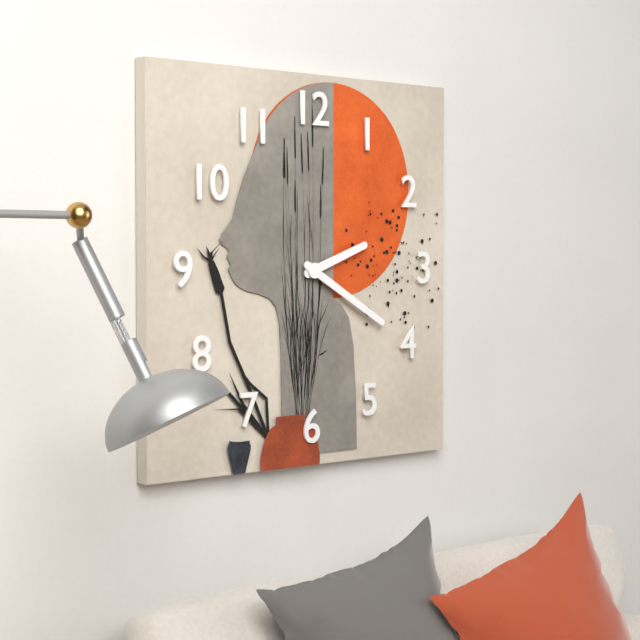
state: 2:20
